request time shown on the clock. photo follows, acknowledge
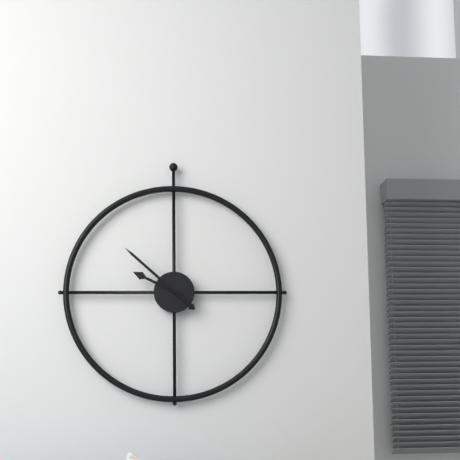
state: 9:52
